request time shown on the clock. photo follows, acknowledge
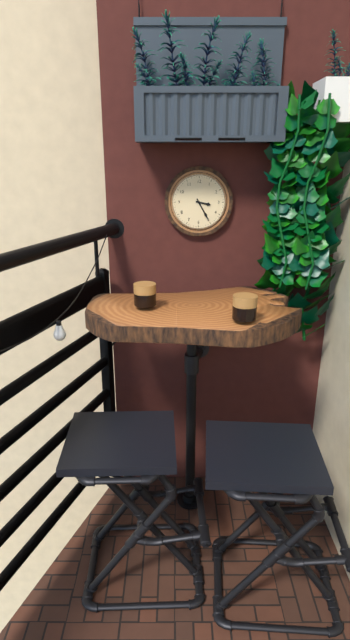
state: 3:25
